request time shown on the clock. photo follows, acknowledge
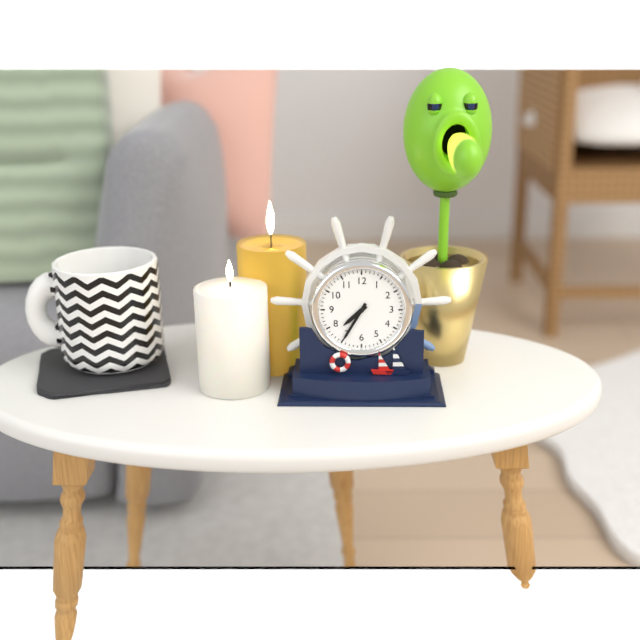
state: 7:35
